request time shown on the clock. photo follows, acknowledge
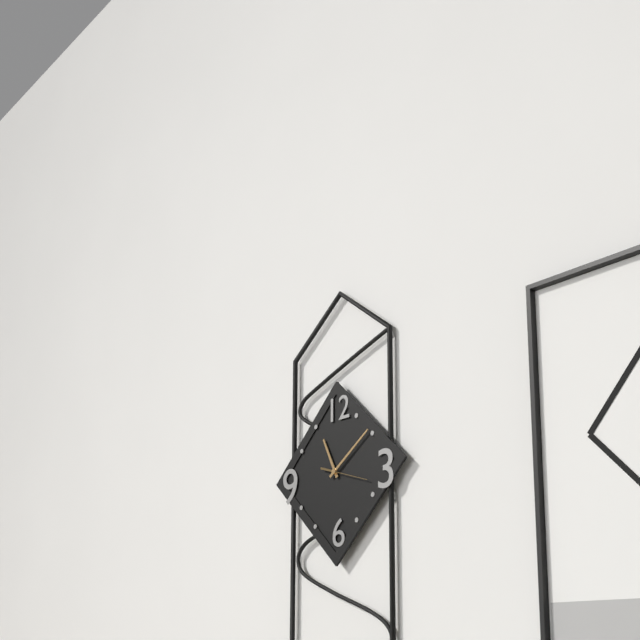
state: 11:09
